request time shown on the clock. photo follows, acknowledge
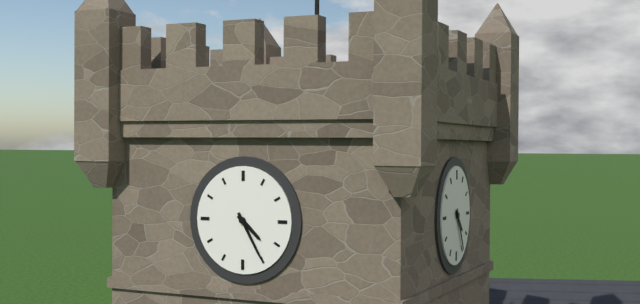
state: 4:25
